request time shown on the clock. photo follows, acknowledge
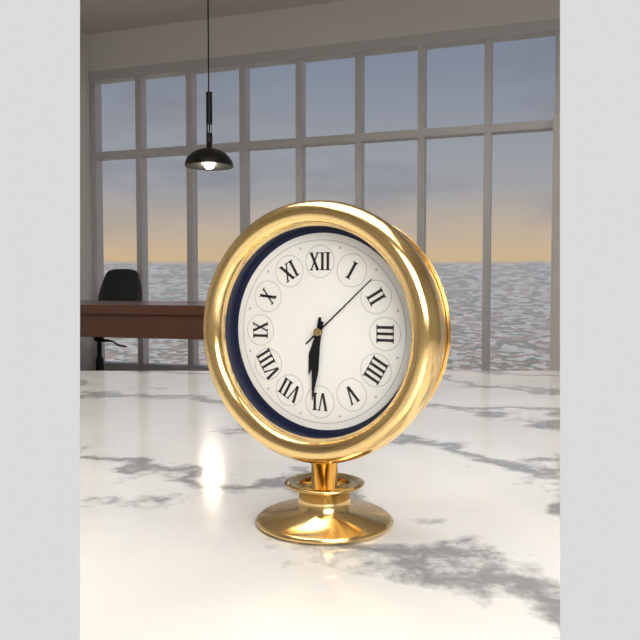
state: 6:31:08
